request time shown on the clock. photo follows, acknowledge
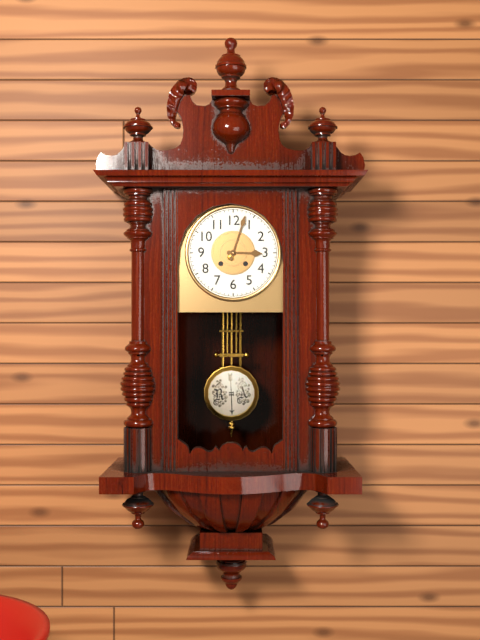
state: 3:03
